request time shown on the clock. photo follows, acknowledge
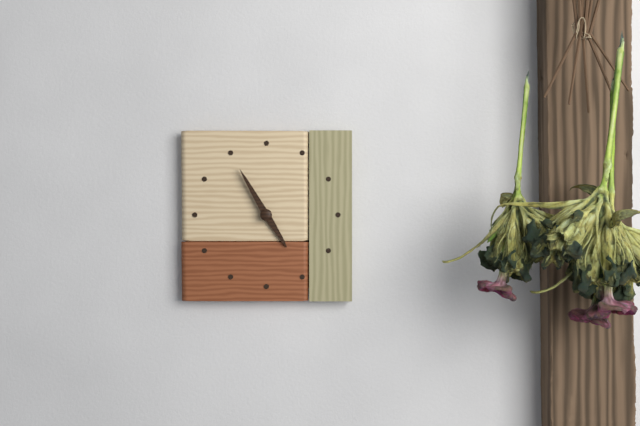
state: 4:55
